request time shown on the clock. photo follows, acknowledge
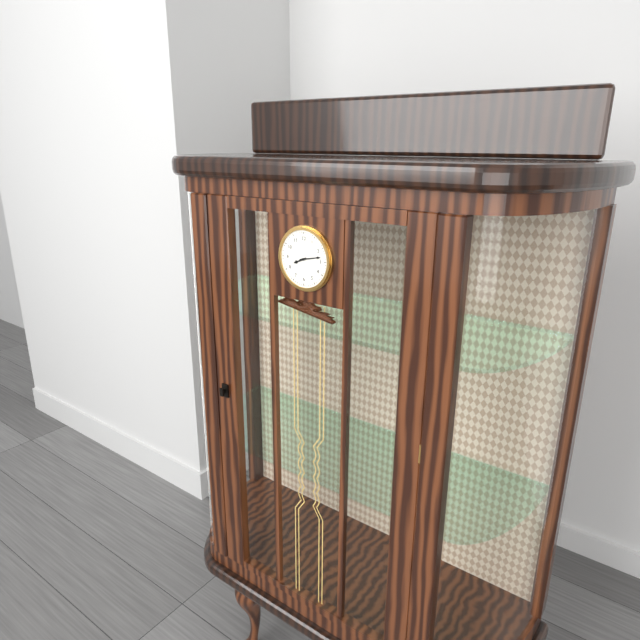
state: 8:13
